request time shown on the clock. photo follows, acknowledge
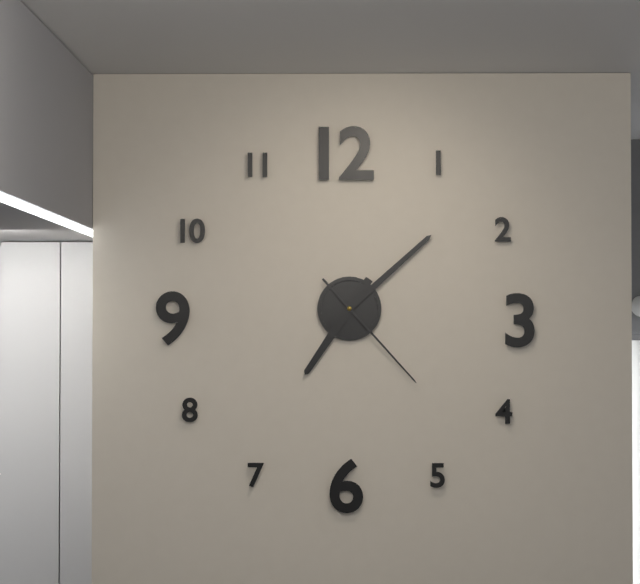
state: 7:08:23
